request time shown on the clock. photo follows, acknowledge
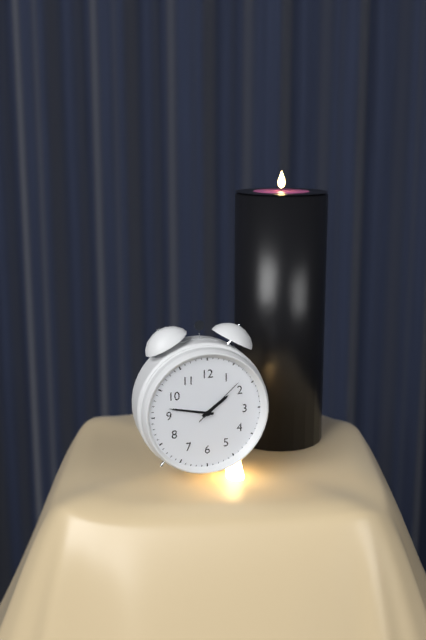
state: 1:47:08
